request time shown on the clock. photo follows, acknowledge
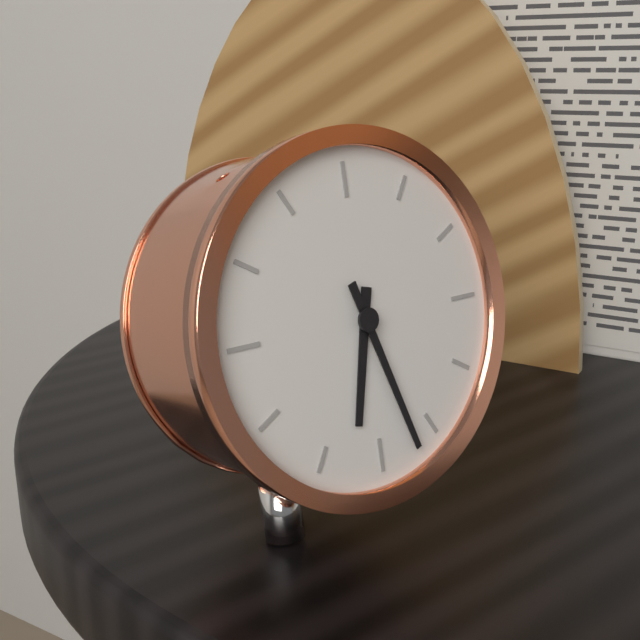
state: 6:27
